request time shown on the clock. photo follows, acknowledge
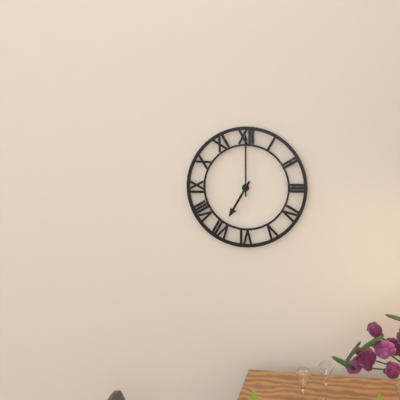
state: 7:00
